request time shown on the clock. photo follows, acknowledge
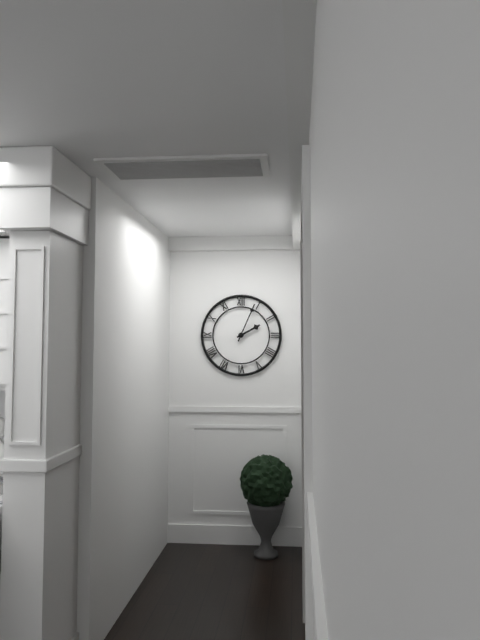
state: 2:04
